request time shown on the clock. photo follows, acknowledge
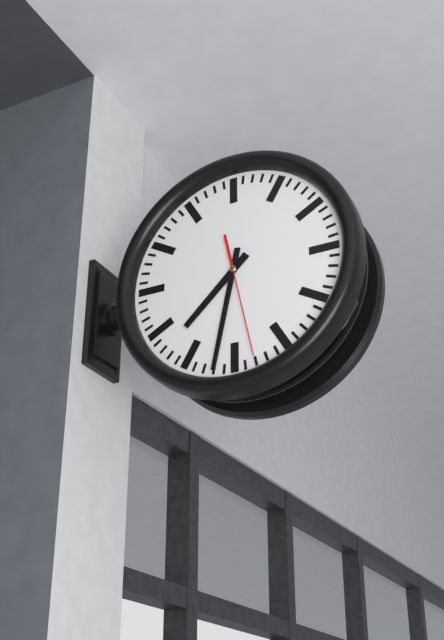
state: 7:32:28
